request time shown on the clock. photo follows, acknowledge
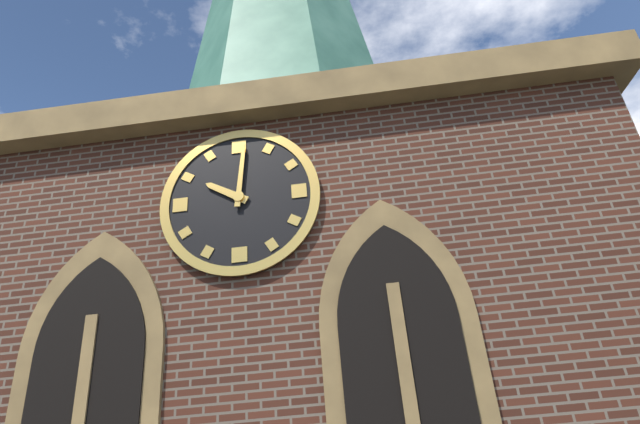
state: 10:01
